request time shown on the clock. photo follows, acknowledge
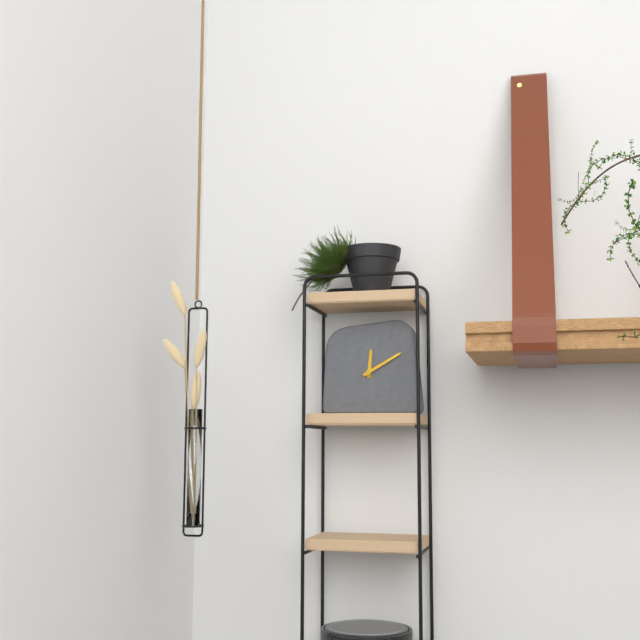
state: 12:10
